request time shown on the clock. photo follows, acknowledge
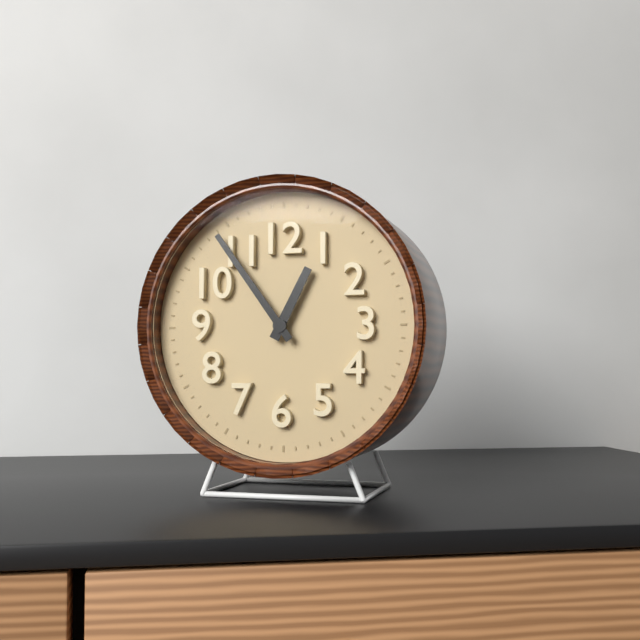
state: 12:54
